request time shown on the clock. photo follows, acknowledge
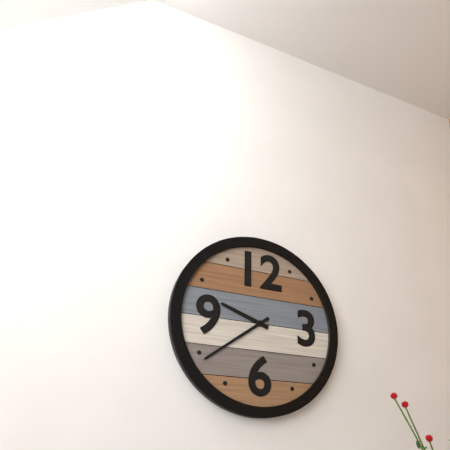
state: 9:39
